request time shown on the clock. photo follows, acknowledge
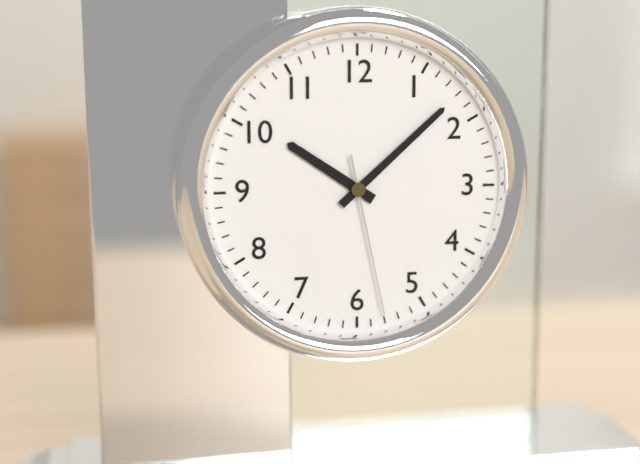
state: 10:08:28
